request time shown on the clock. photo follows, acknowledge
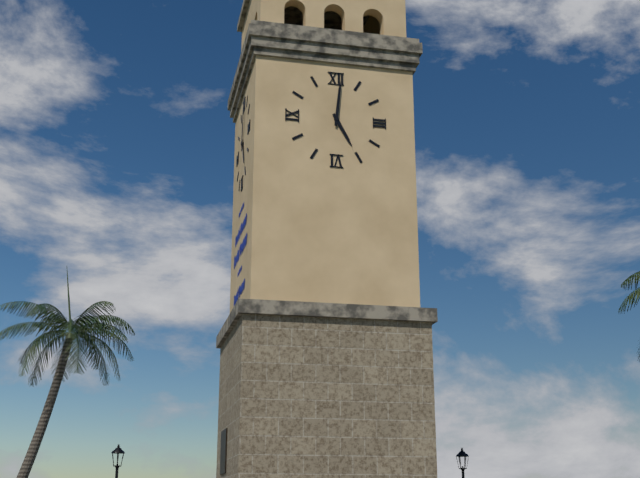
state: 5:01
